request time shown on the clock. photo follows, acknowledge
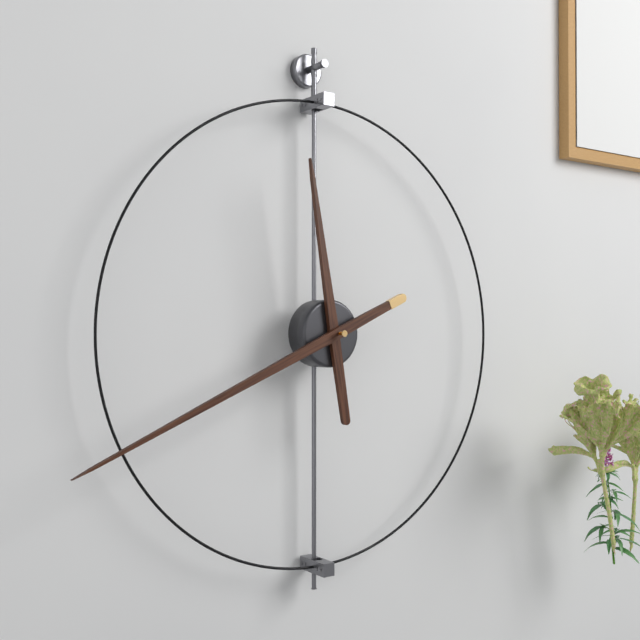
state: 11:41
